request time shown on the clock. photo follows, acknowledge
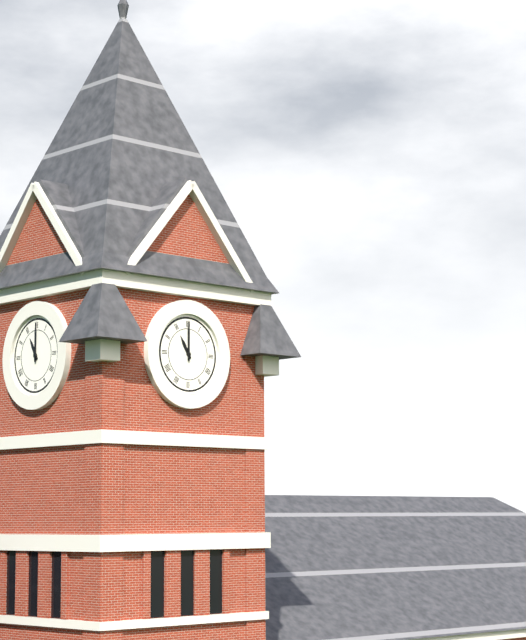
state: 11:00
